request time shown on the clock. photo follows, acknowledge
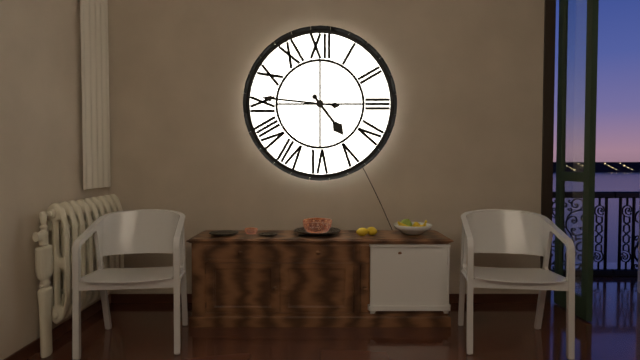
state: 4:46
